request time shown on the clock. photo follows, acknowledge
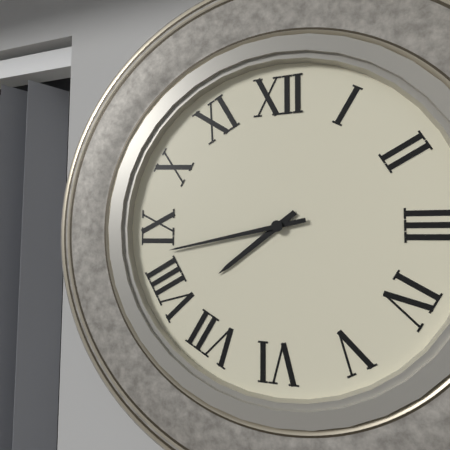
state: 7:43
